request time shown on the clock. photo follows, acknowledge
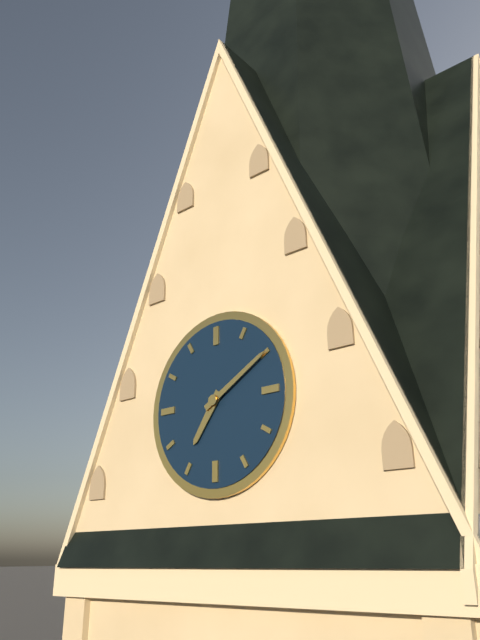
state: 7:10
